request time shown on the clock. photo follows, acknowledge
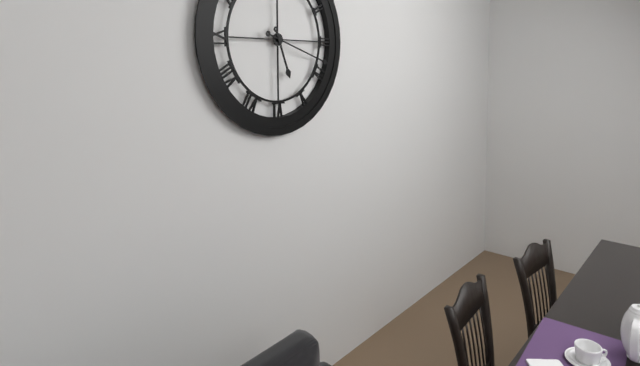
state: 5:18
